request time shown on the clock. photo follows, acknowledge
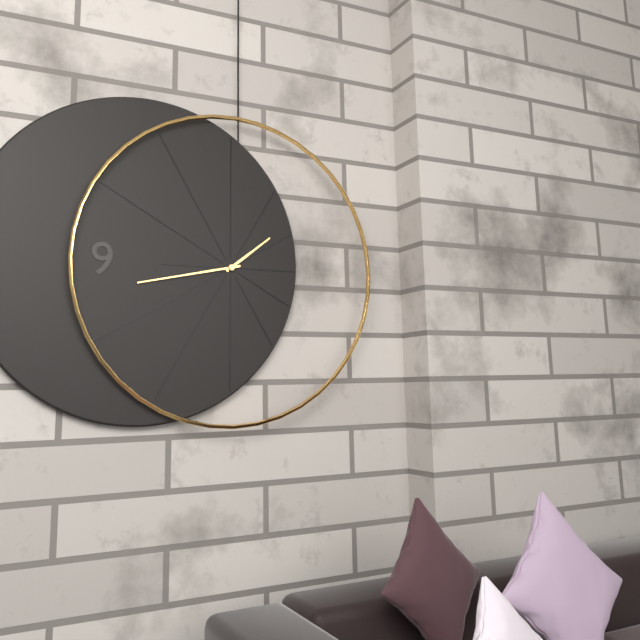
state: 1:43
